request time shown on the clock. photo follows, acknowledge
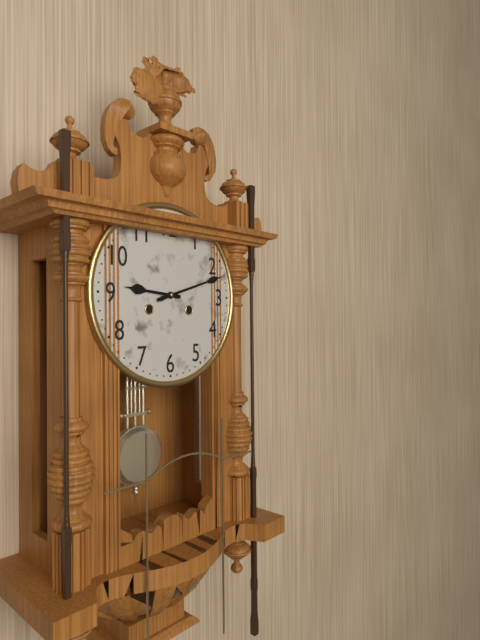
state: 9:12
